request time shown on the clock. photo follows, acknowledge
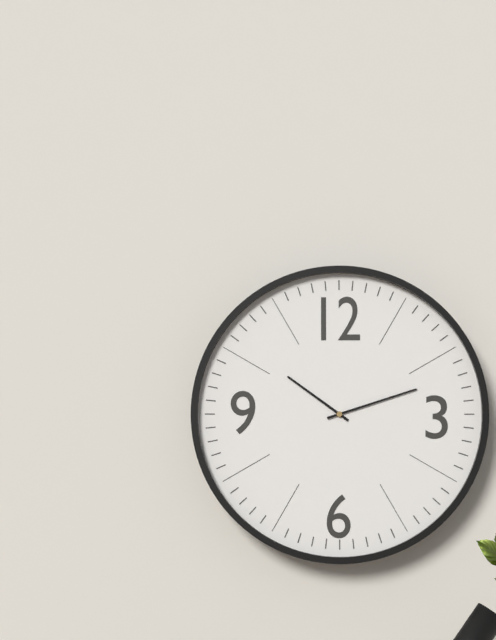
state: 10:12
